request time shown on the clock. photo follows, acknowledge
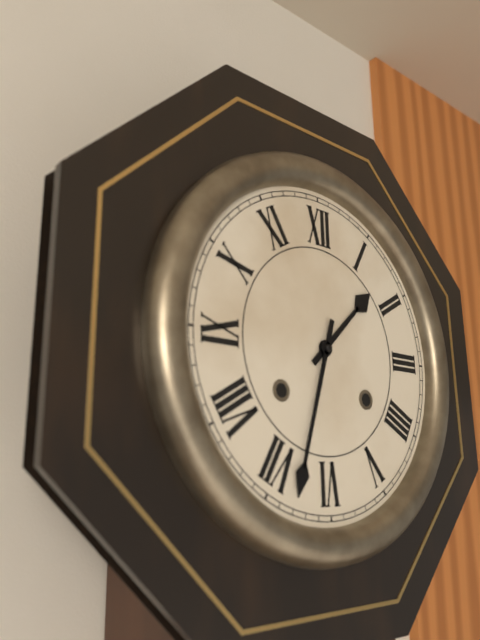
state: 1:33
